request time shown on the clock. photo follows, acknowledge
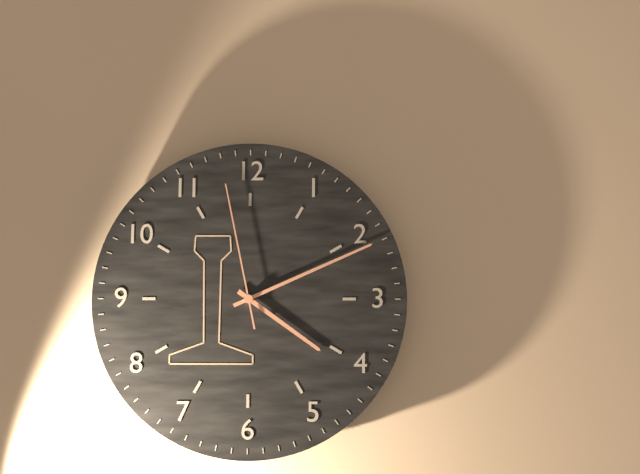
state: 4:11:58
